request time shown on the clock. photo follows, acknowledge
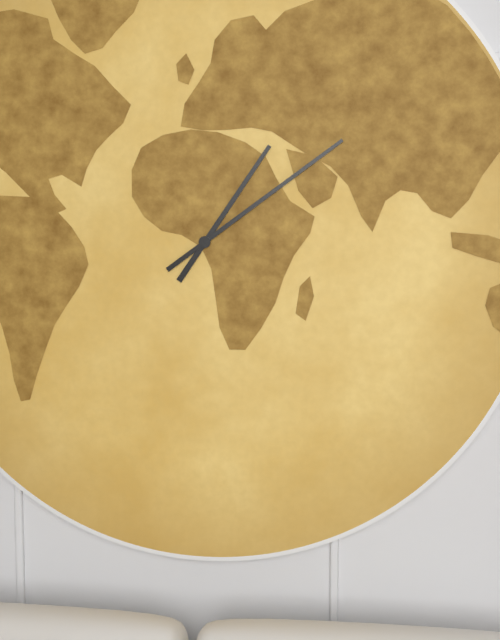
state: 1:09
